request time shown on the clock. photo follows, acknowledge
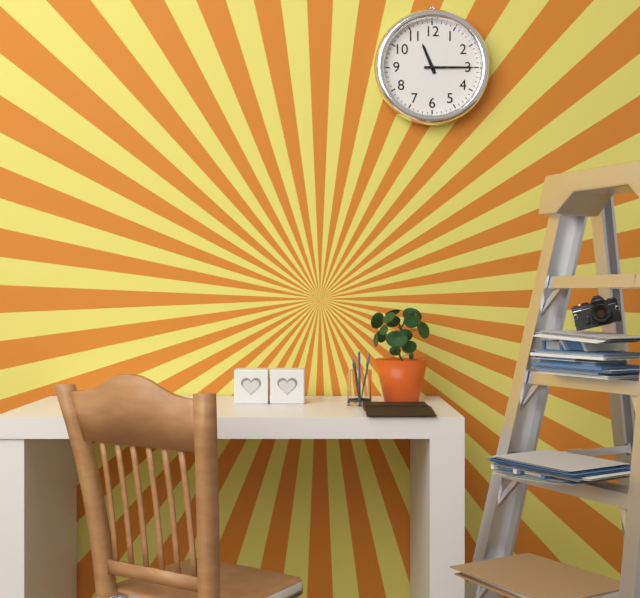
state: 11:15
